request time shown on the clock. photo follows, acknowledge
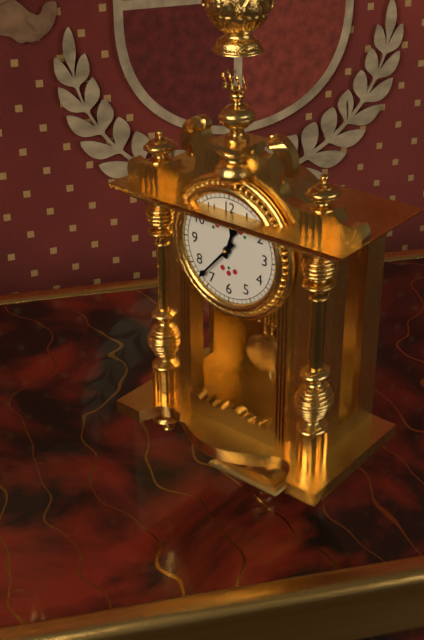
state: 12:37
